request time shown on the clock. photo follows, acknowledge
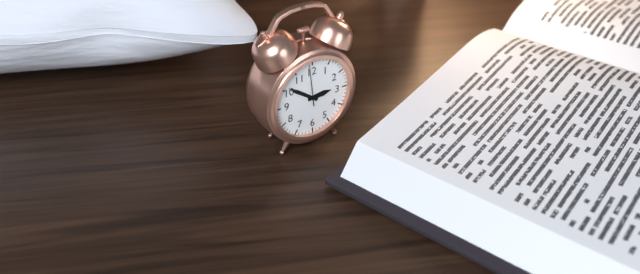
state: 2:51
